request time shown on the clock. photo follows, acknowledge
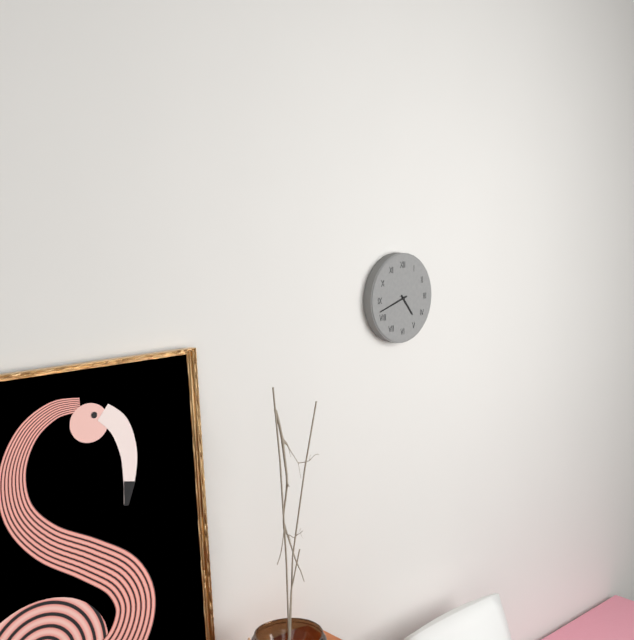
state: 4:42
